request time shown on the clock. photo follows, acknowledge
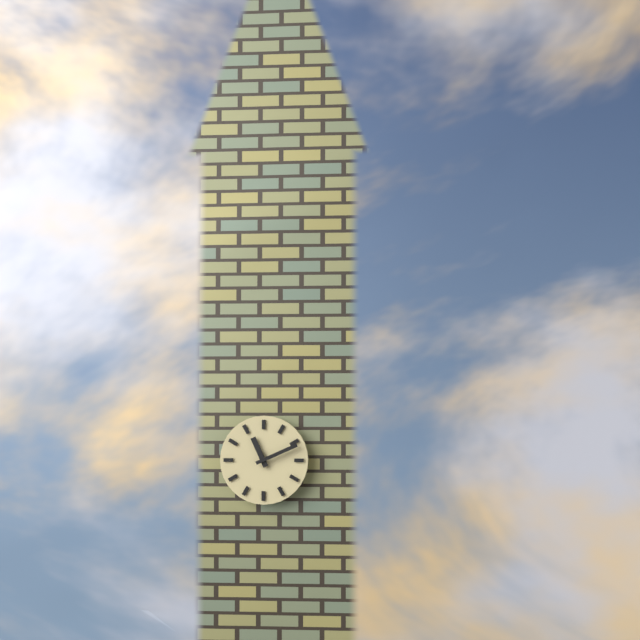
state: 11:11
